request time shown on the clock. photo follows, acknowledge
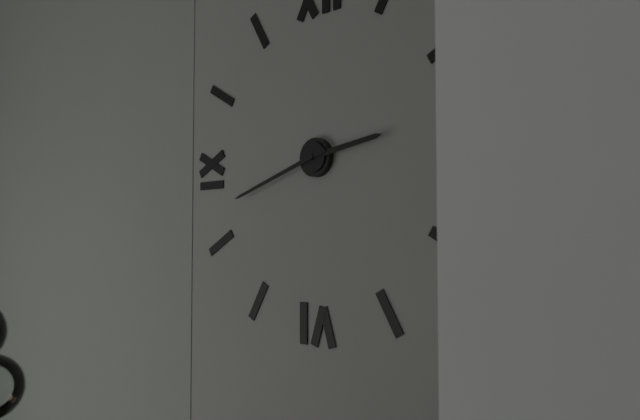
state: 2:42
